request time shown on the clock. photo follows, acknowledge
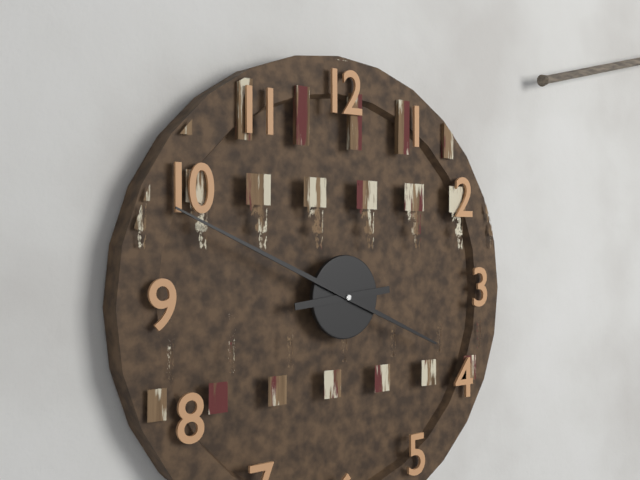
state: 8:49
